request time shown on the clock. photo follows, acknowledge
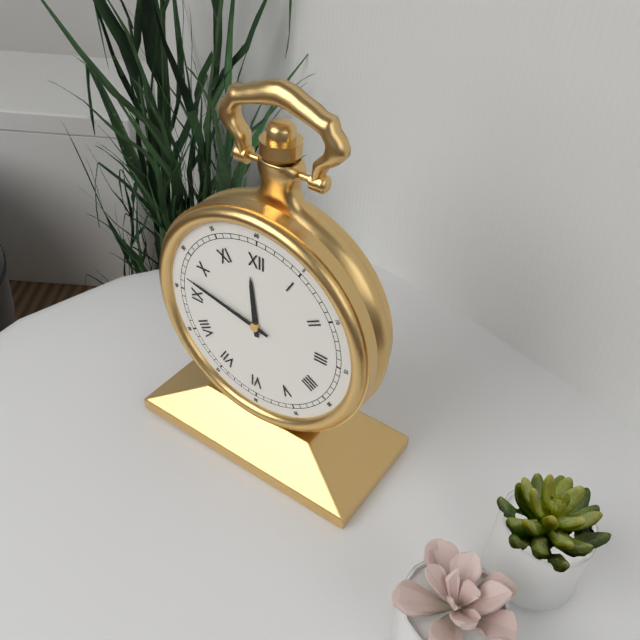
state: 11:47
